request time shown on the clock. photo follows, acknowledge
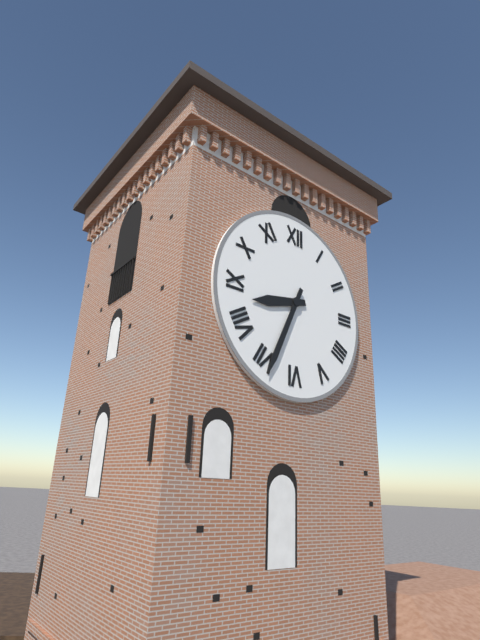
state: 8:34
